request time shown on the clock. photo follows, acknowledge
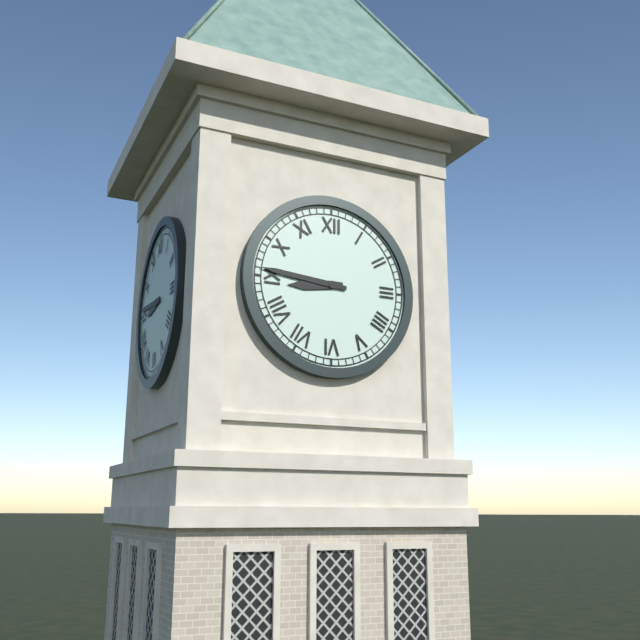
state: 8:46
